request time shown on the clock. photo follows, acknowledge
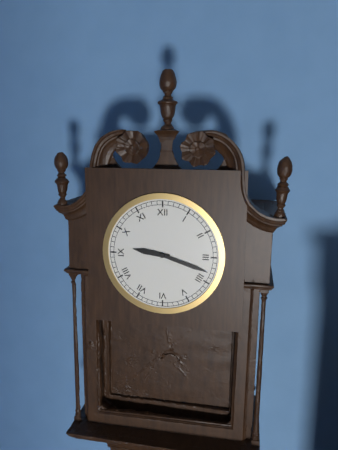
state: 9:18
